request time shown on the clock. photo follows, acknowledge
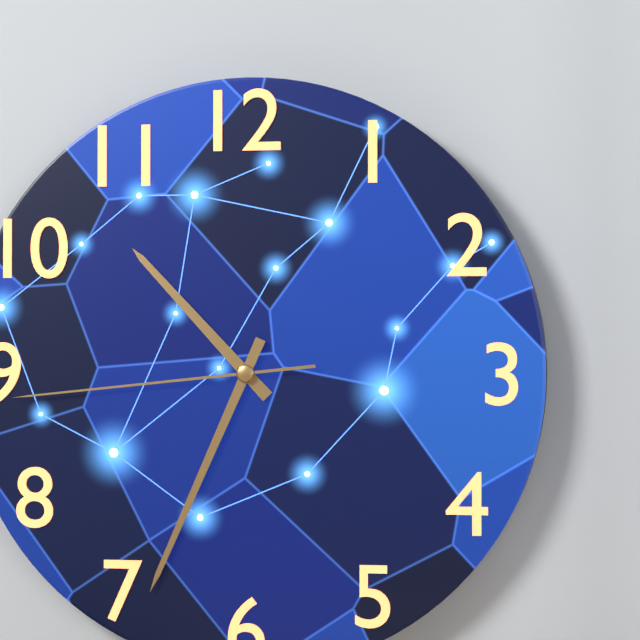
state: 10:34:44
